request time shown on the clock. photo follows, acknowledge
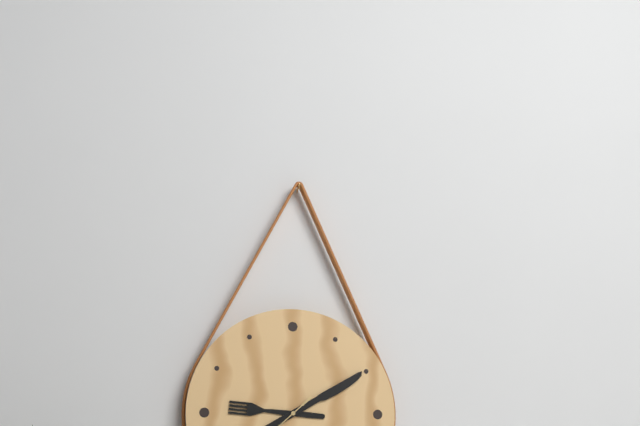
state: 9:10
